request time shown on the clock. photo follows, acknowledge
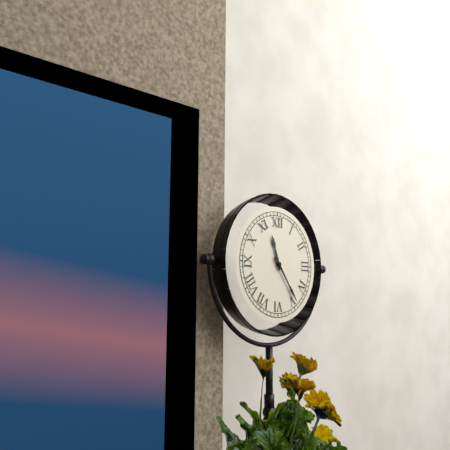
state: 11:24
